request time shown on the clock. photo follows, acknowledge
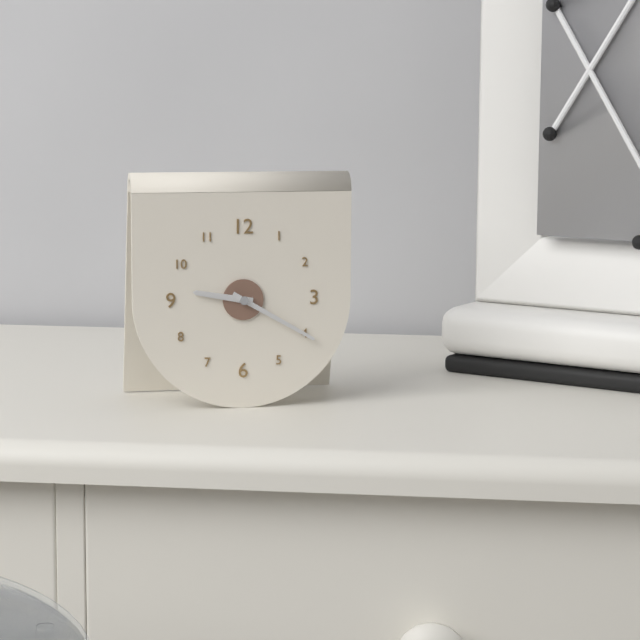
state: 9:20
